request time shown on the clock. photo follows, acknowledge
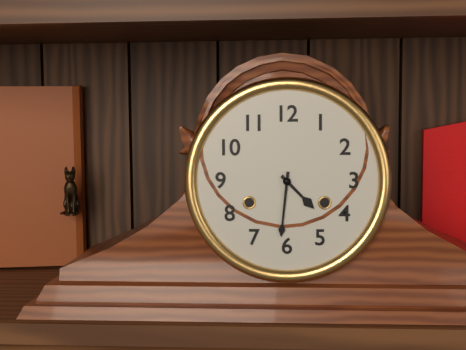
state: 4:31
